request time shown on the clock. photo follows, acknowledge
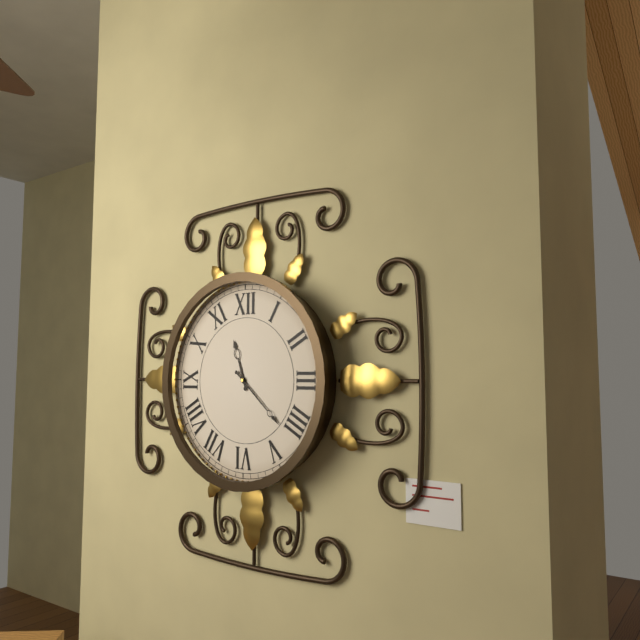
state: 11:22
